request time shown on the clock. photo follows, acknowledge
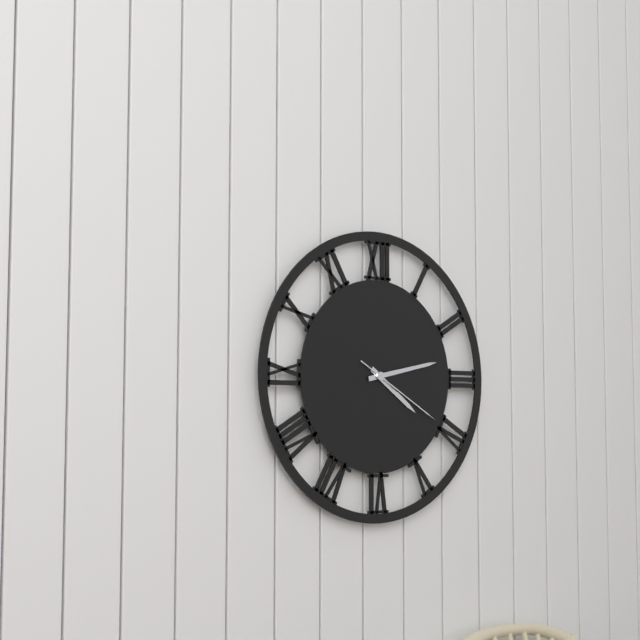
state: 4:13:20
